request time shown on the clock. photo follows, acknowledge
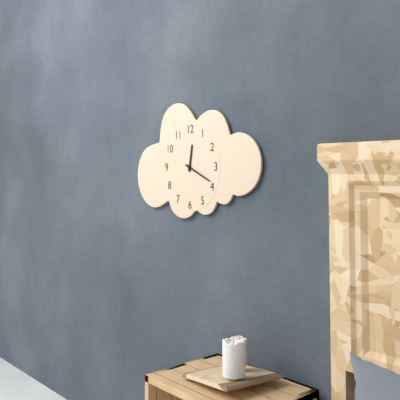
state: 12:19
